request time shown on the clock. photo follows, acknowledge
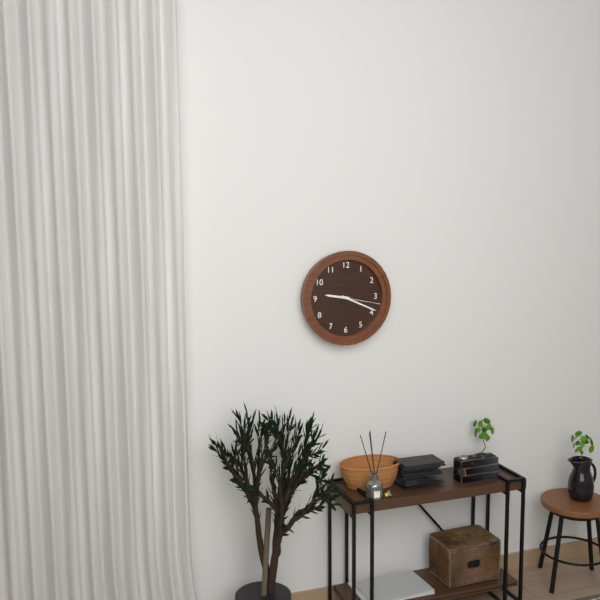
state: 9:19
